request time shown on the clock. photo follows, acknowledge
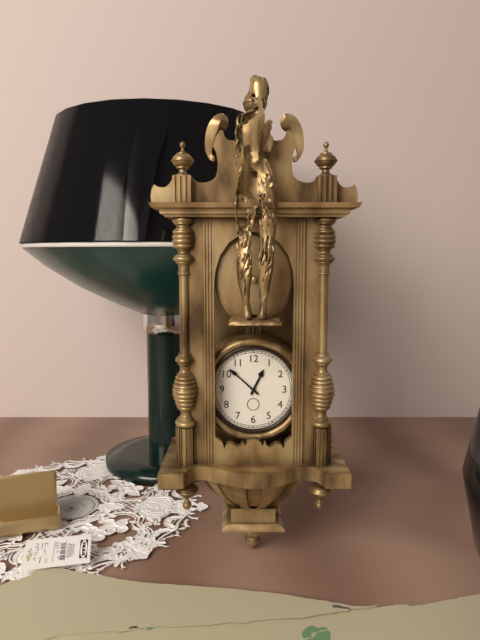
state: 12:52
